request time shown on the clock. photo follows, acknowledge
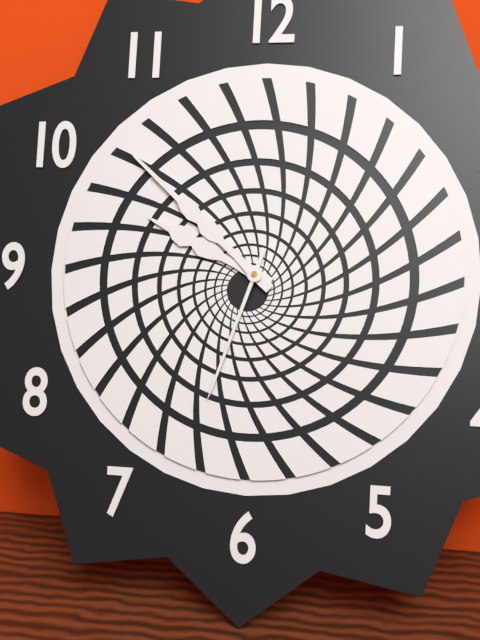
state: 9:52:33
